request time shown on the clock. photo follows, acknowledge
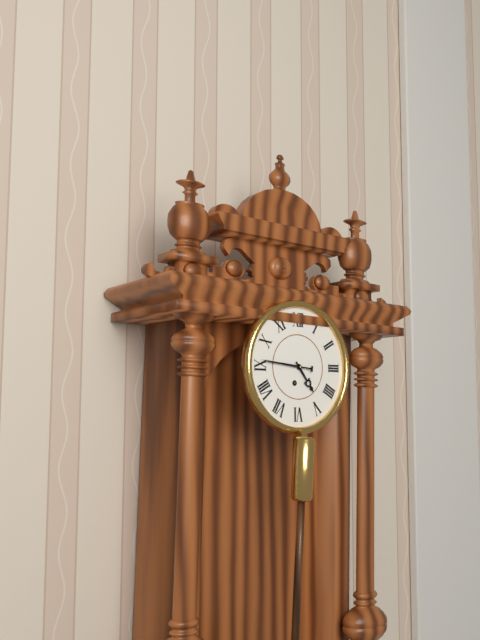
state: 4:46
